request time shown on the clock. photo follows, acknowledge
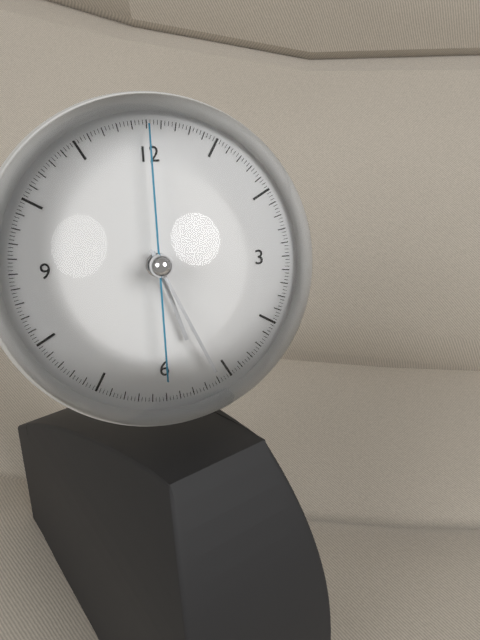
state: 5:26:00
